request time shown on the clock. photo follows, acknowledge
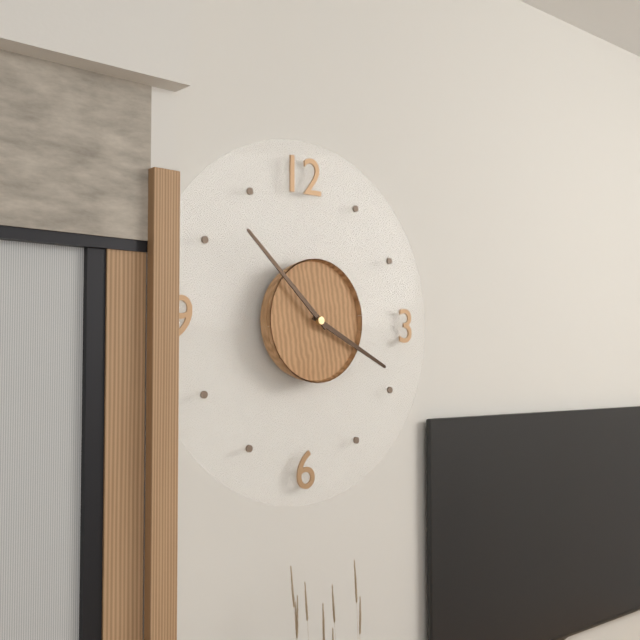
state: 3:52
